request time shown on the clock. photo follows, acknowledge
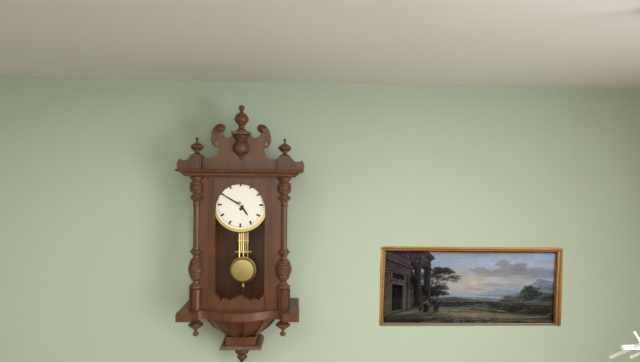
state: 4:50
